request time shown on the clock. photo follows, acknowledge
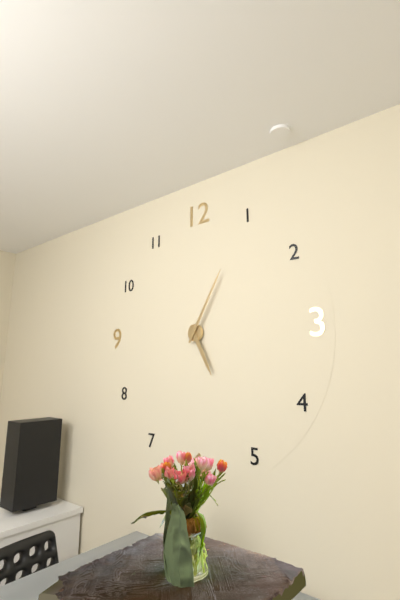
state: 5:05
